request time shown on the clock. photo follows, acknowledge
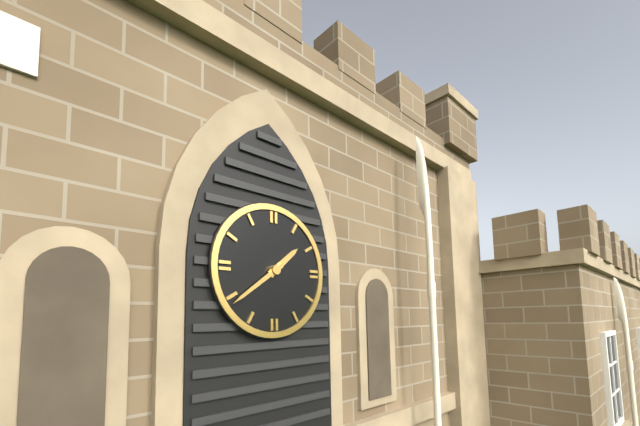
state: 1:39
